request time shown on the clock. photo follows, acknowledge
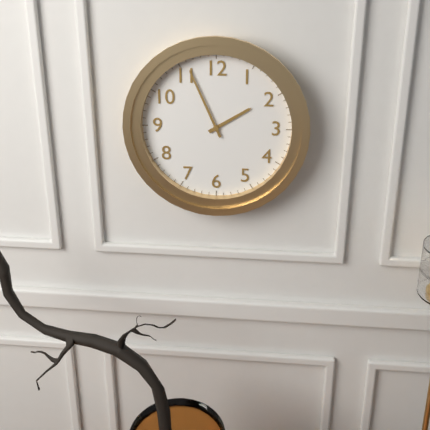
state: 1:56
